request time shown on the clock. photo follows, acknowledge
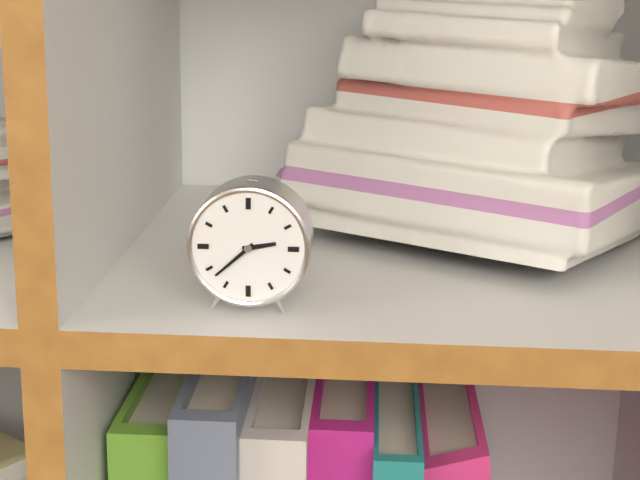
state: 2:38
